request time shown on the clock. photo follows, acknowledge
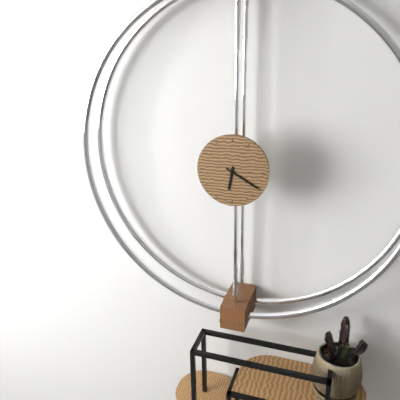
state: 6:20
